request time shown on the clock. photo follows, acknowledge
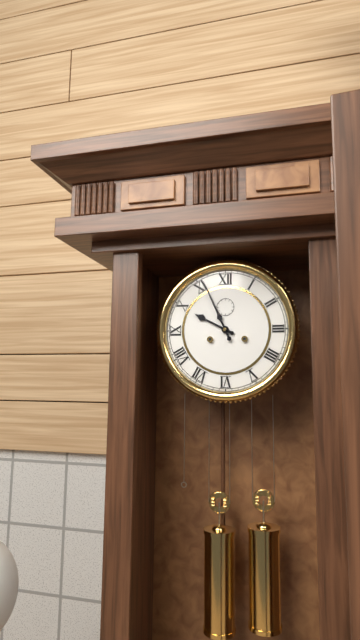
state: 9:56
